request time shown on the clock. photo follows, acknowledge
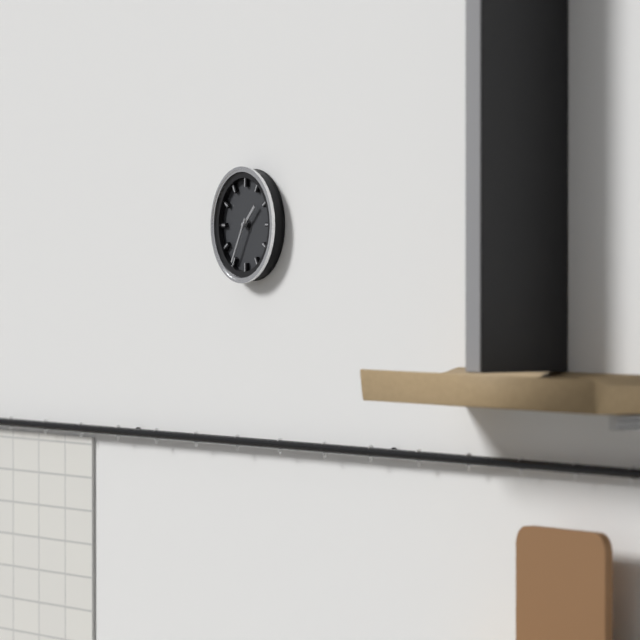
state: 1:35
